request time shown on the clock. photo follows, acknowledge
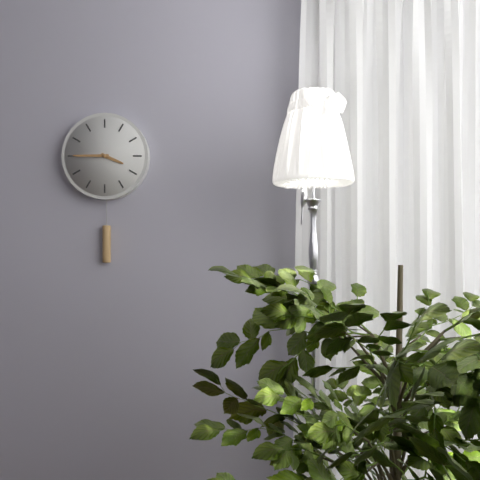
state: 3:45
